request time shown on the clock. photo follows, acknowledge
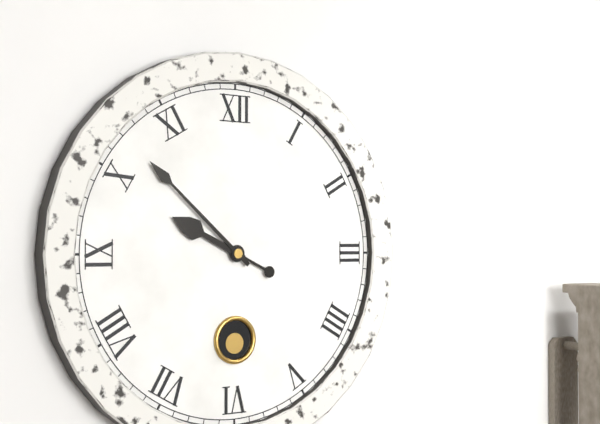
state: 9:52
